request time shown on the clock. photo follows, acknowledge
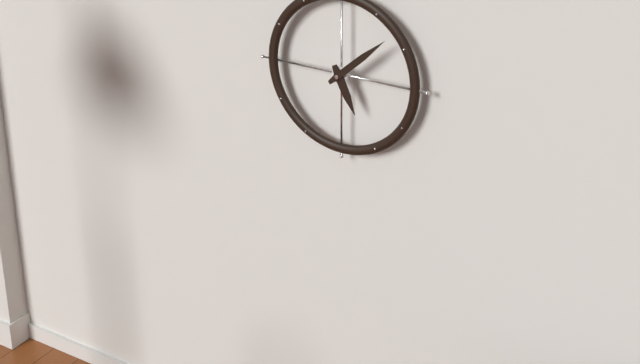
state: 5:08
